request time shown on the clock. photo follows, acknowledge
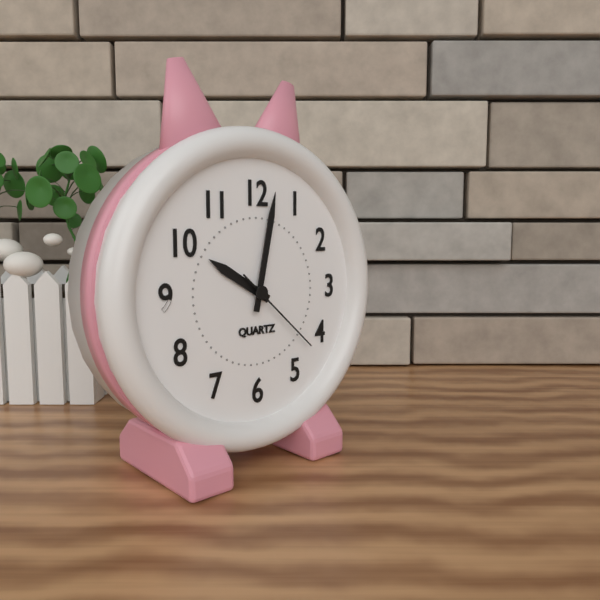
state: 10:02:22
